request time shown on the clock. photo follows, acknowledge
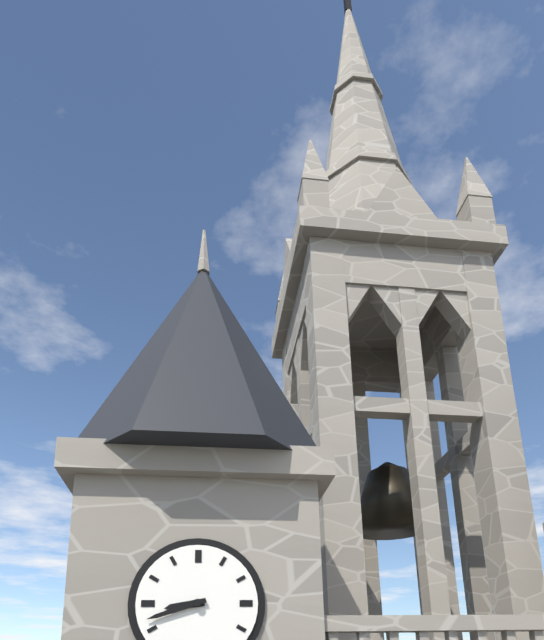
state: 8:42
